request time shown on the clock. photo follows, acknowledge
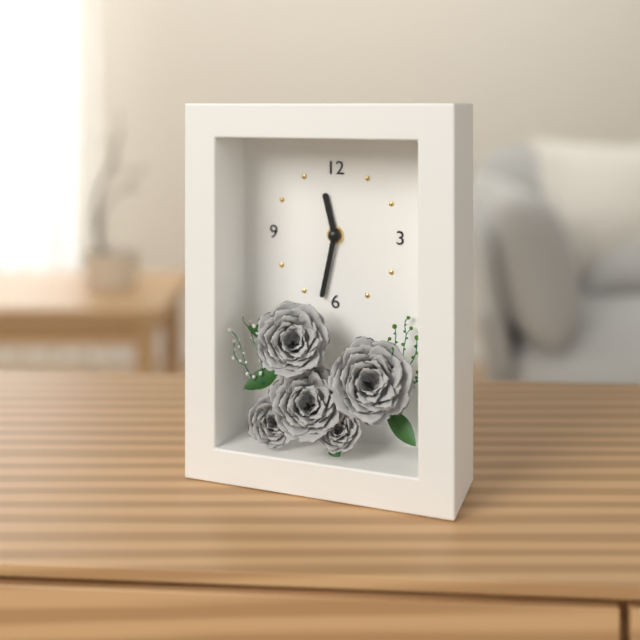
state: 11:32
